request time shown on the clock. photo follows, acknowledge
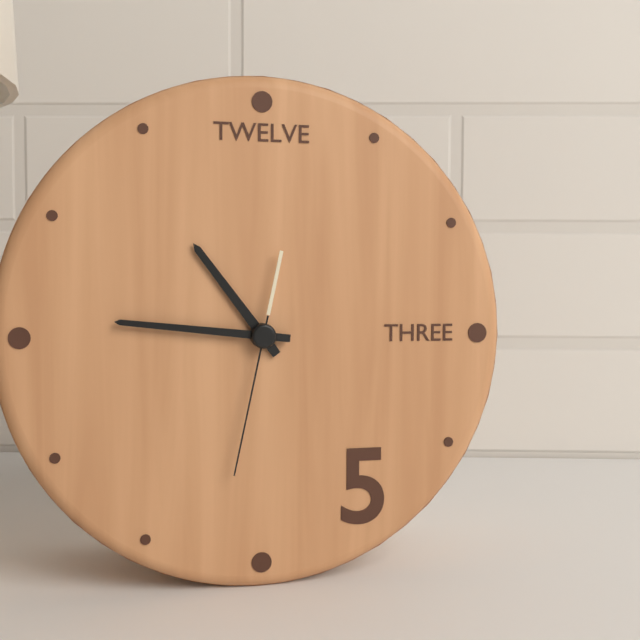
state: 10:46:32
